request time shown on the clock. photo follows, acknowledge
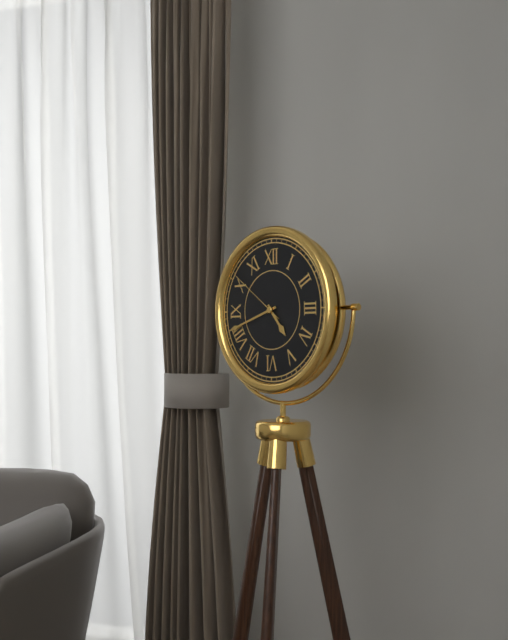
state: 4:42:51
